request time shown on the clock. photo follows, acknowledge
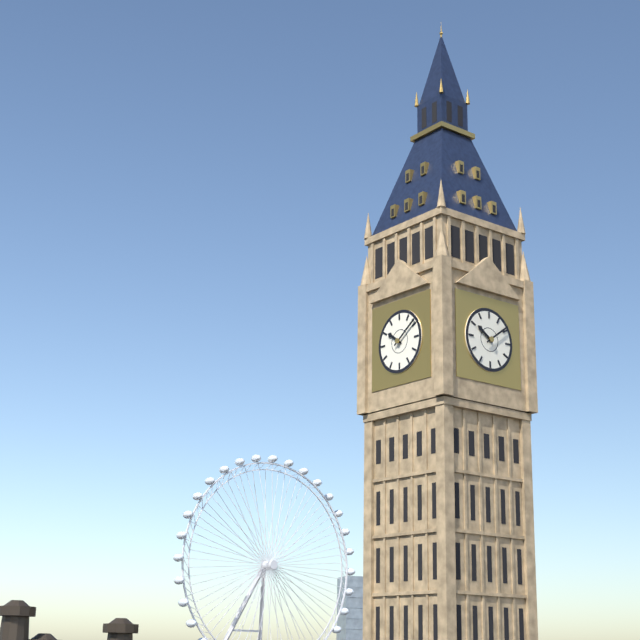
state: 10:09
